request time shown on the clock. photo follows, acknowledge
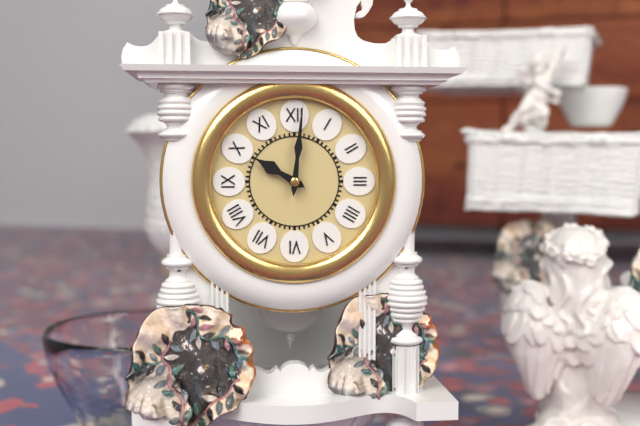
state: 10:01
